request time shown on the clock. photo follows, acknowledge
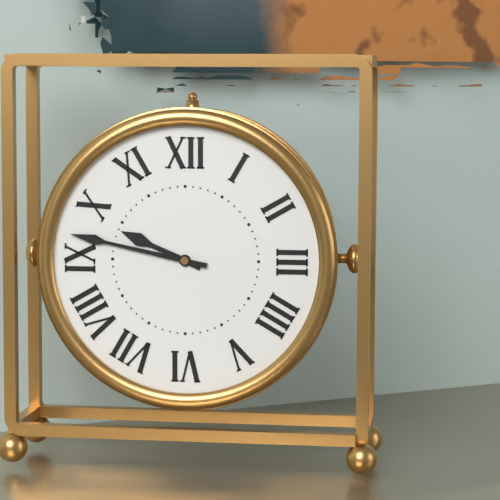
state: 9:47
